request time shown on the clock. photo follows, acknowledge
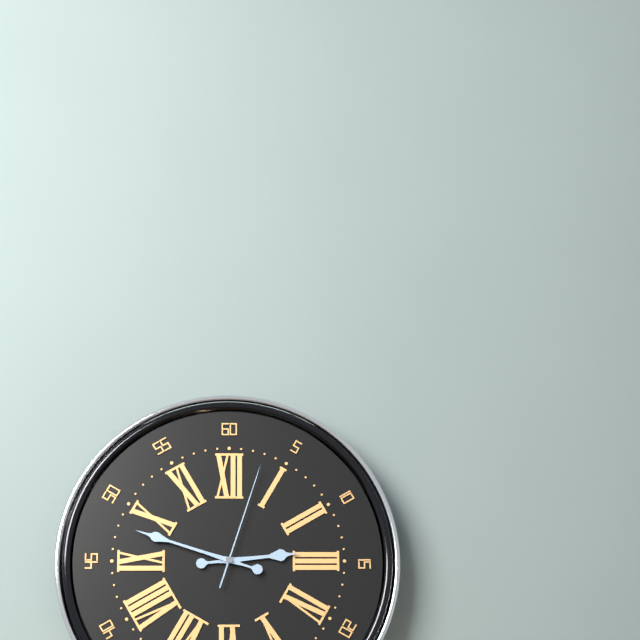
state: 2:48:03
